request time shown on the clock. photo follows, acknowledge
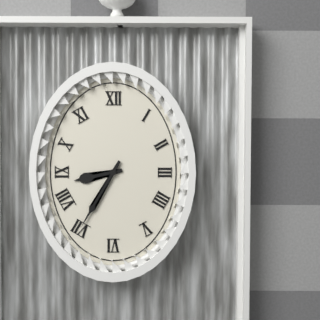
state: 8:35
